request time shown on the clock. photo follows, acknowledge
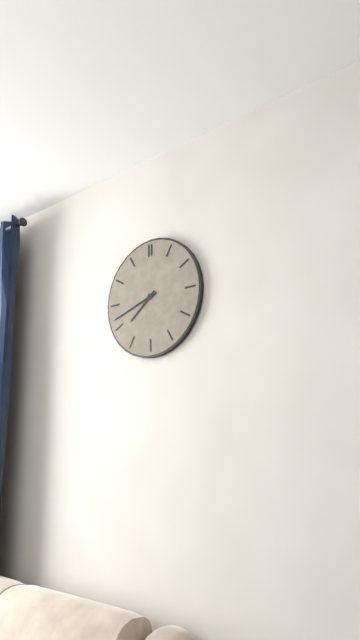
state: 7:42
